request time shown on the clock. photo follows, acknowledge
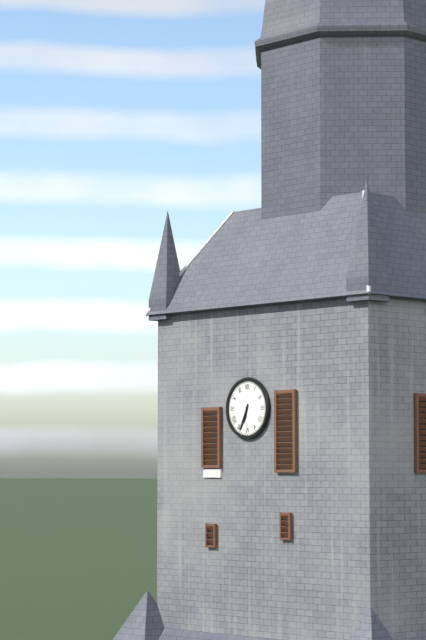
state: 6:34
